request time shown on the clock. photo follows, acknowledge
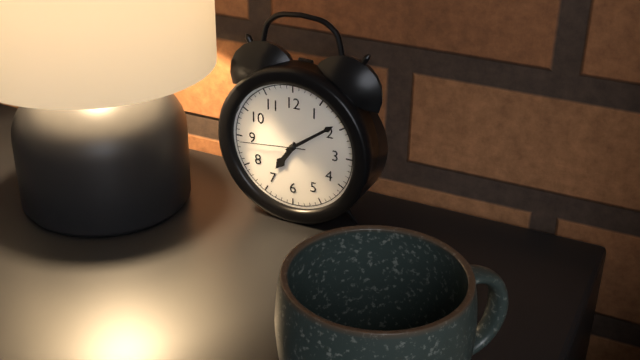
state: 7:09:44
